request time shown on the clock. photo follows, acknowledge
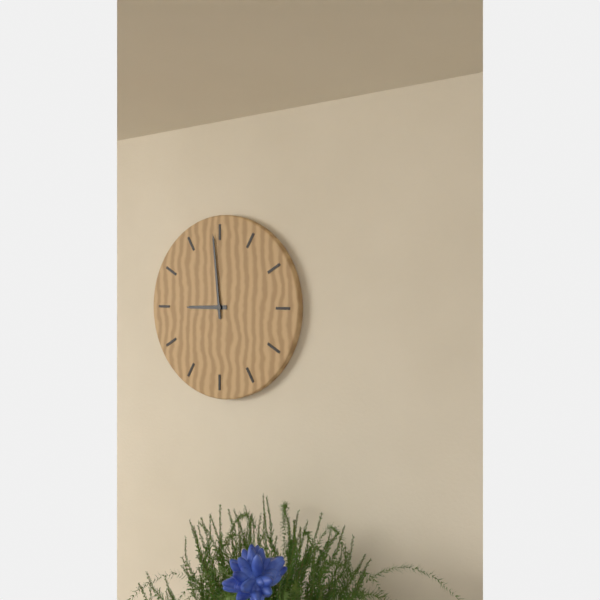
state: 8:59
